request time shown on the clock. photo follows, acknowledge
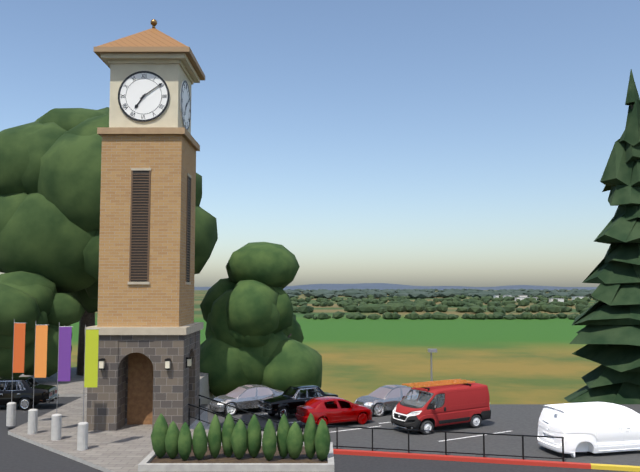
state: 7:09
